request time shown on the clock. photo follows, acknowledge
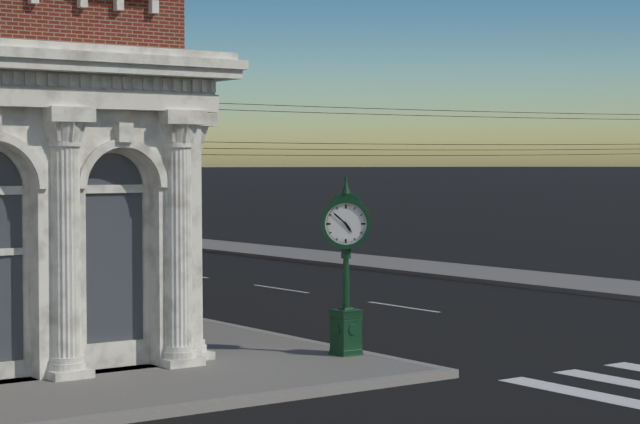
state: 4:52
